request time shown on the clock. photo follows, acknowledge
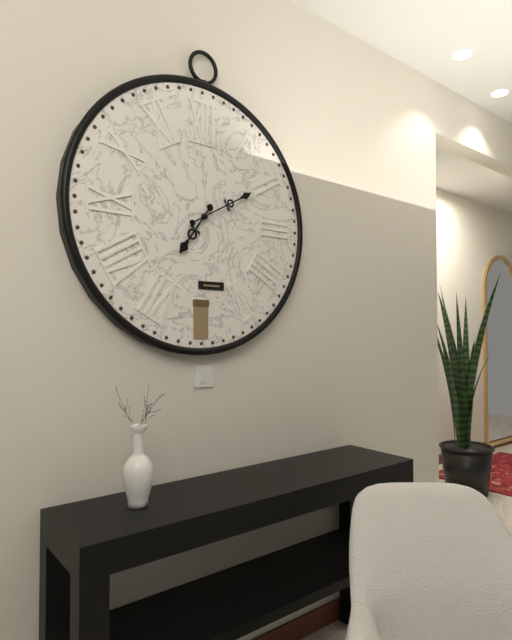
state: 7:10
